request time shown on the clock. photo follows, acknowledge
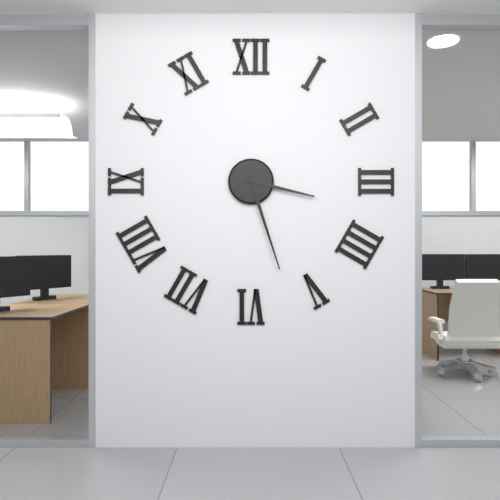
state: 3:27
